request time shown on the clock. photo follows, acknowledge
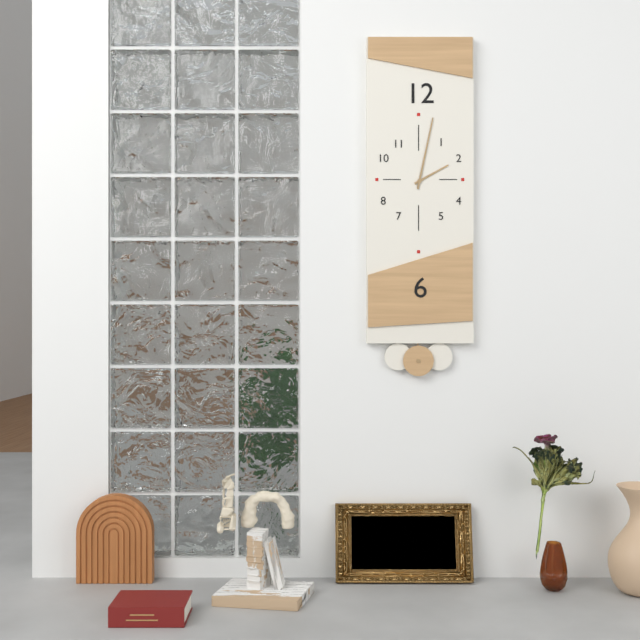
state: 2:02
